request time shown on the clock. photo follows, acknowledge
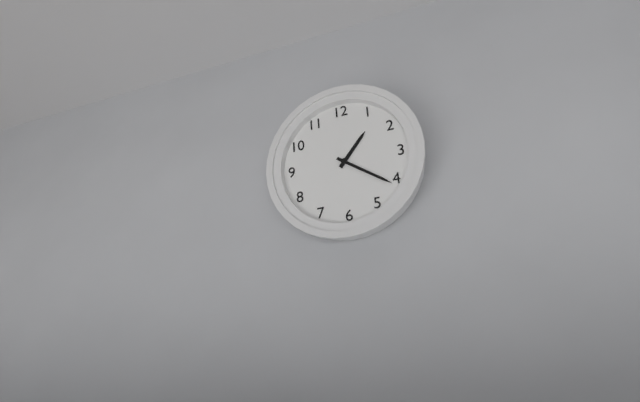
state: 1:21
